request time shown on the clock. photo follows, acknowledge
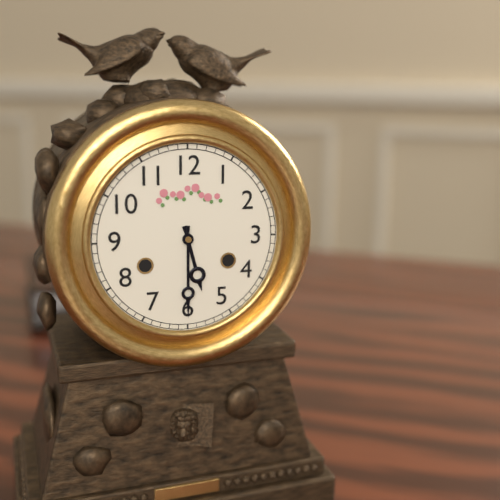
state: 5:30
